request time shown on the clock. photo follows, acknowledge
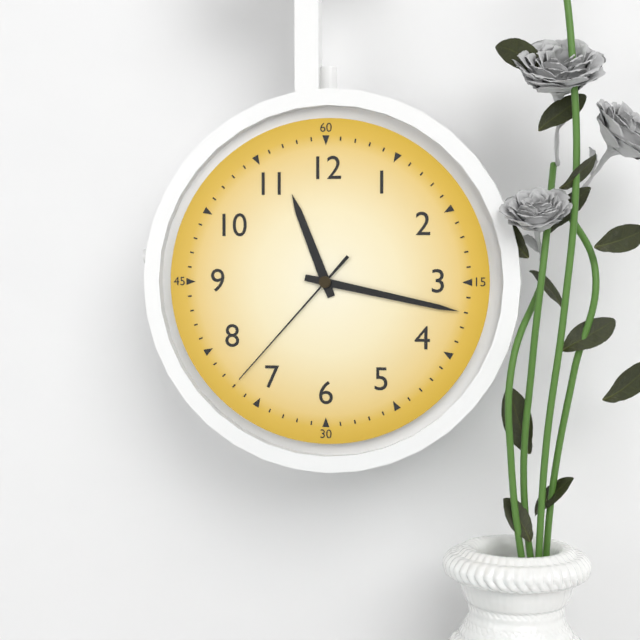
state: 11:17:37
